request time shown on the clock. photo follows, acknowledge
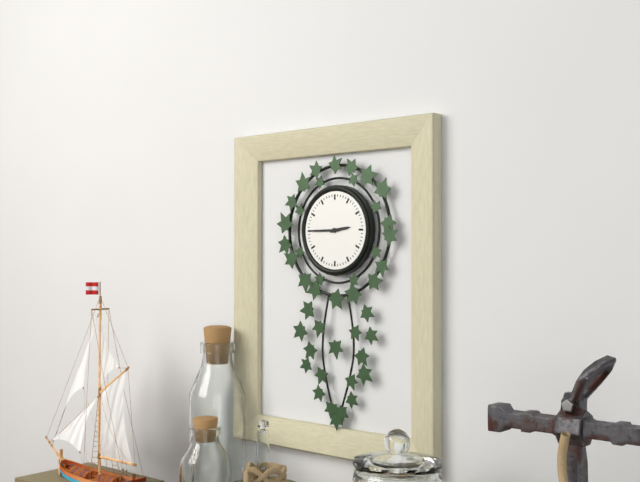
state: 2:45
